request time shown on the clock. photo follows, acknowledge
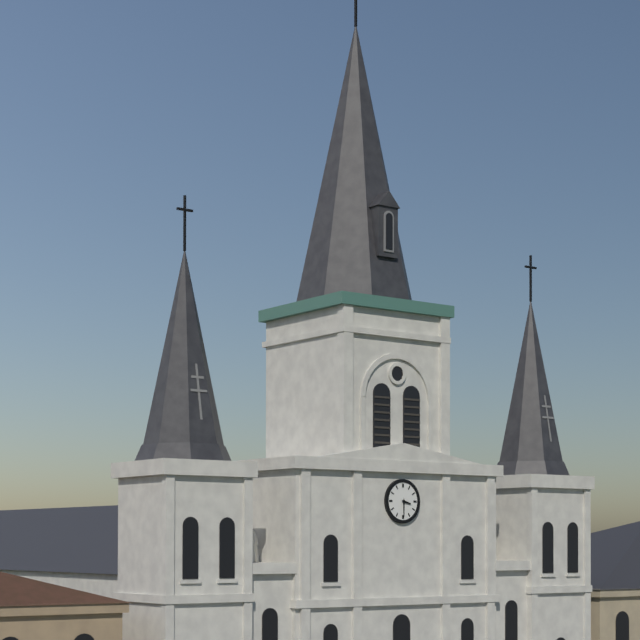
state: 3:30
